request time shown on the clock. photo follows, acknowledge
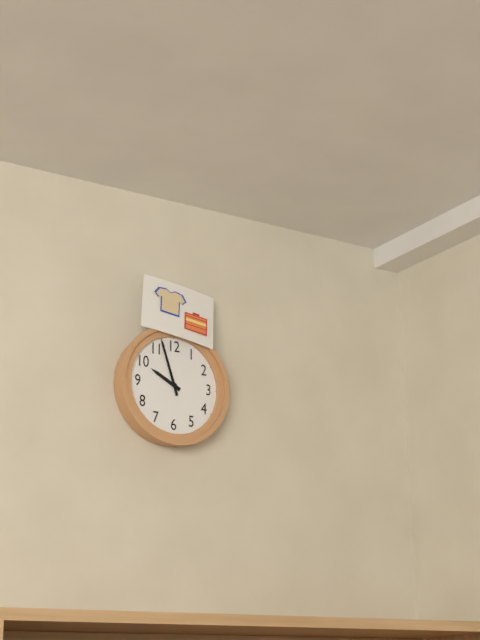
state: 9:57
